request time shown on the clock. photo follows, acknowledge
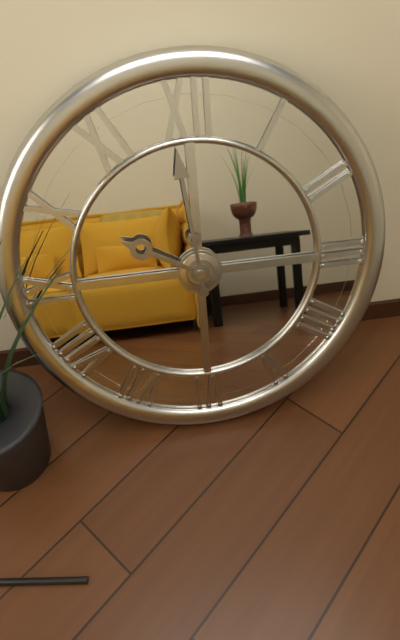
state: 9:59
